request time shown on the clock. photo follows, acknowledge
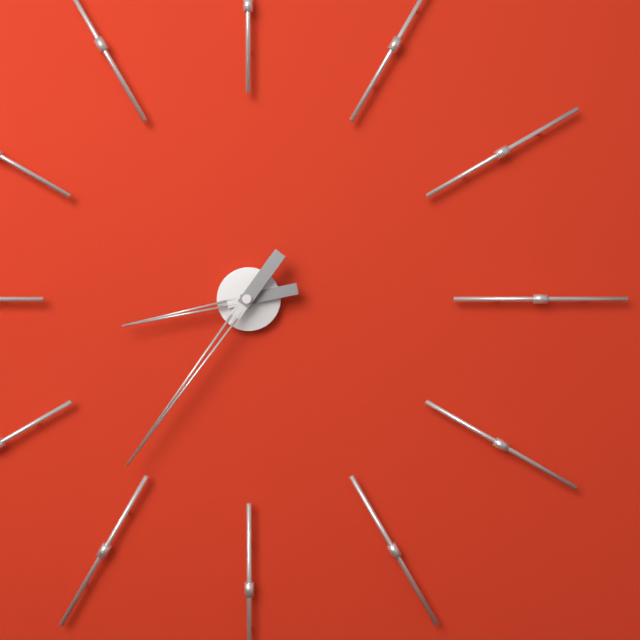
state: 8:36
